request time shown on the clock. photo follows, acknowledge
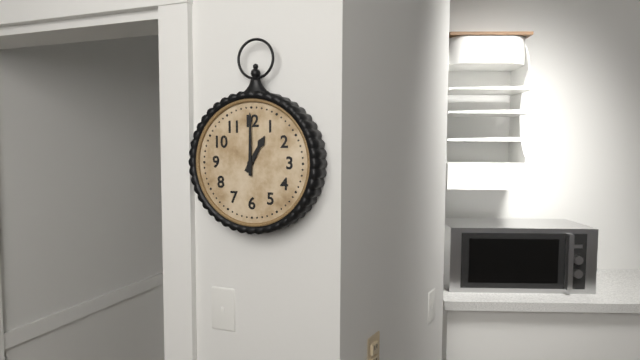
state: 1:00
